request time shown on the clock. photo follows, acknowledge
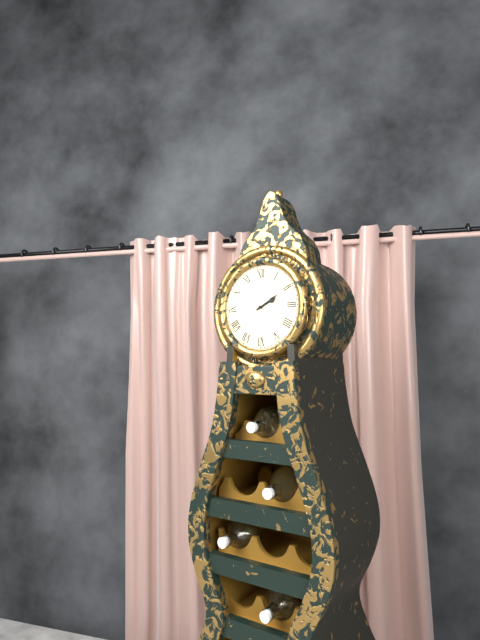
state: 2:10
